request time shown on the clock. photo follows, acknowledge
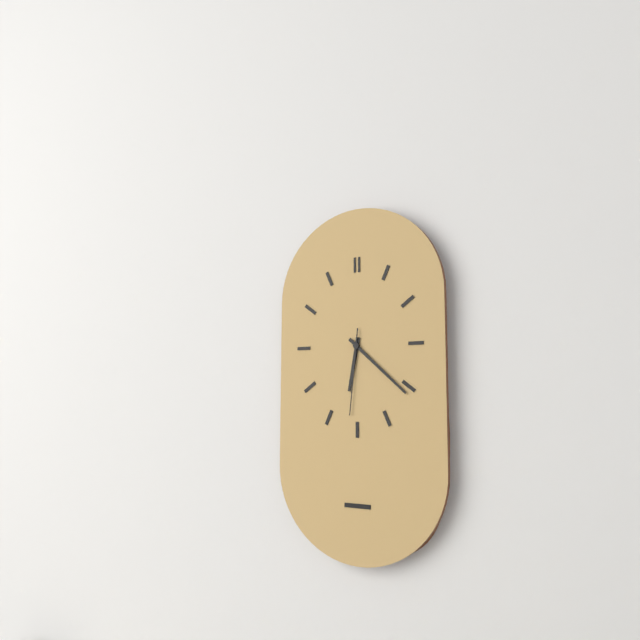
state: 6:22:31
